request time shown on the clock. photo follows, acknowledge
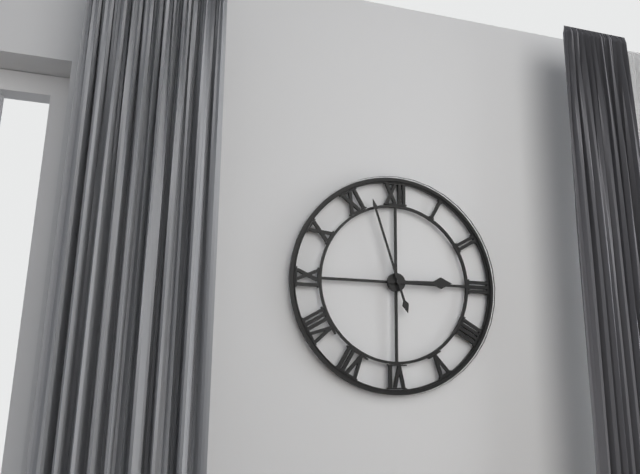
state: 2:57
